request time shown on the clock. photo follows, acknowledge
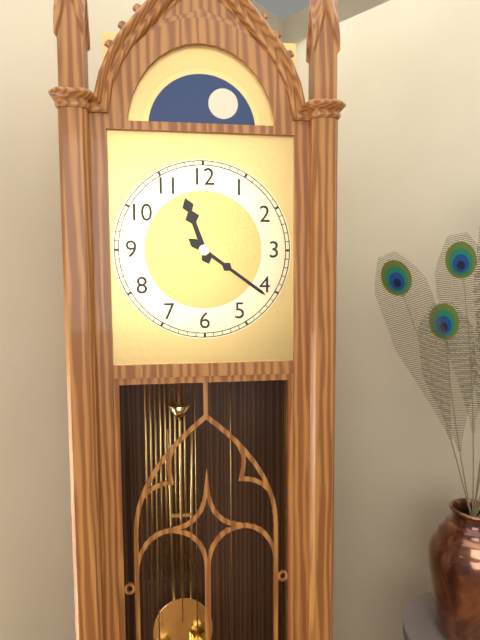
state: 11:21
